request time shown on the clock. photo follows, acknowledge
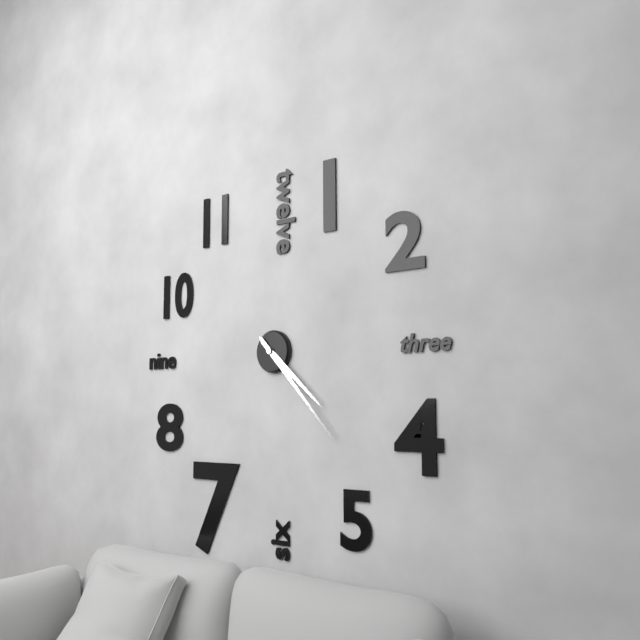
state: 4:23
